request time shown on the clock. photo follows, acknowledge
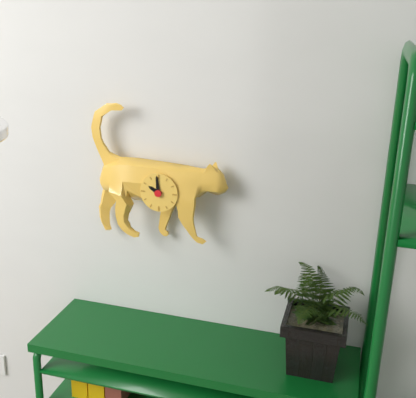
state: 9:59
